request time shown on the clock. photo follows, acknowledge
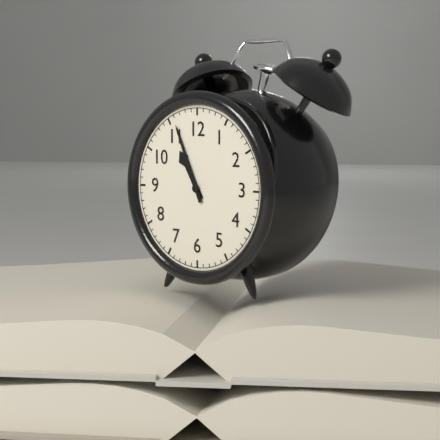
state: 10:56
